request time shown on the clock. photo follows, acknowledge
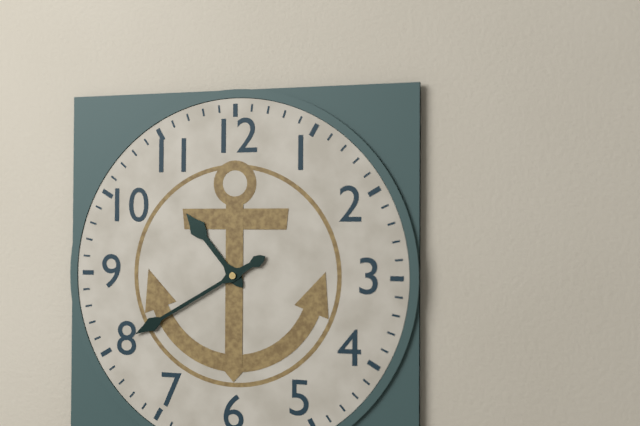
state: 10:40
